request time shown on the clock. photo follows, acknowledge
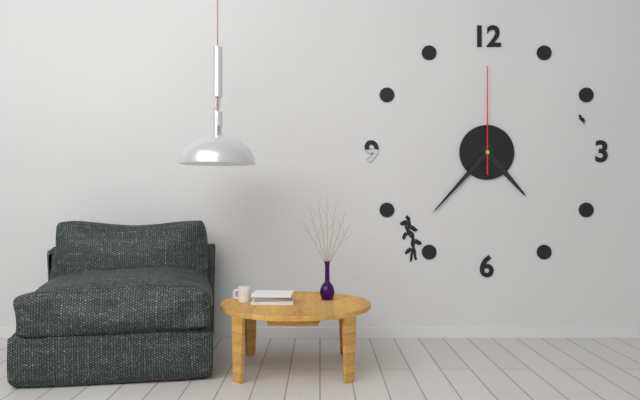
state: 4:37:00
